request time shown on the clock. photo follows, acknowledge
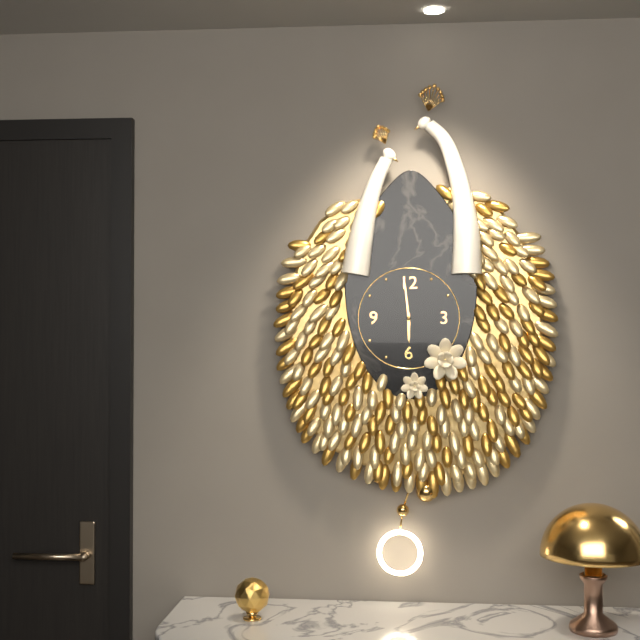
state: 5:59
